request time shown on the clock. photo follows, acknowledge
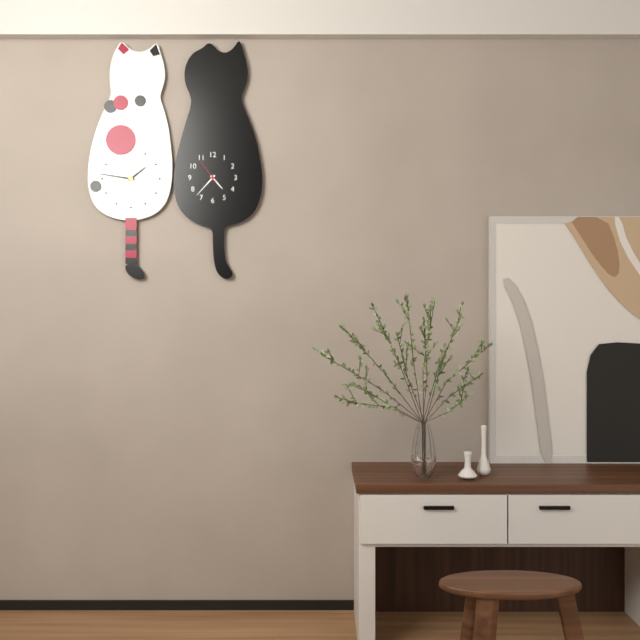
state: 4:37
